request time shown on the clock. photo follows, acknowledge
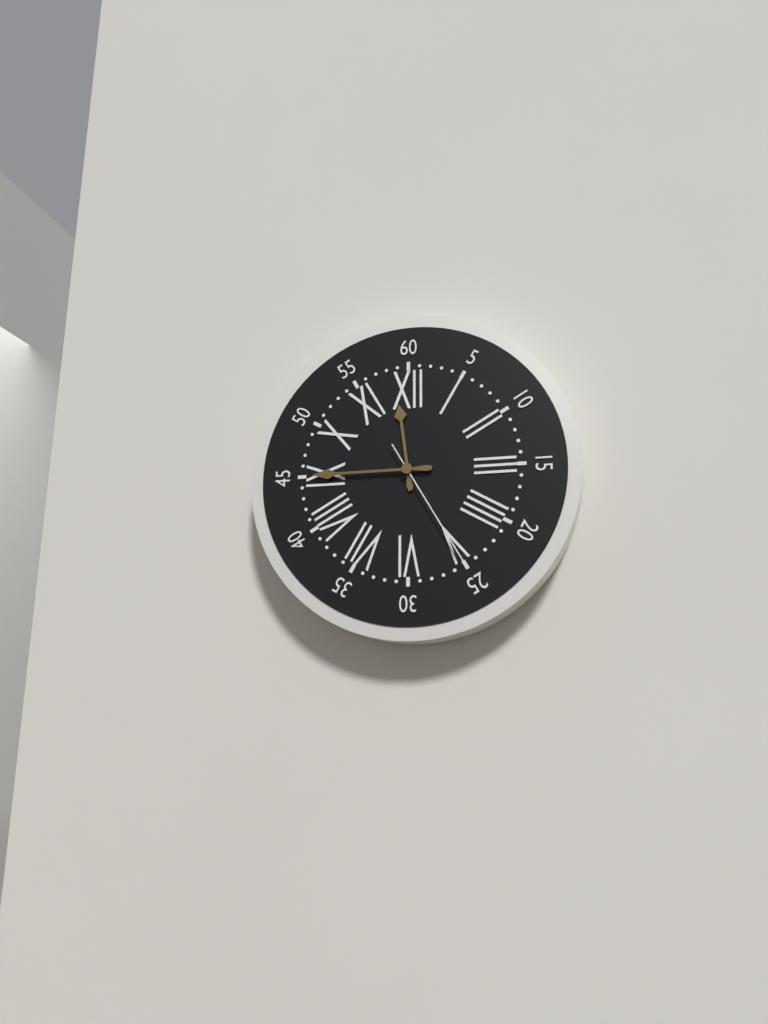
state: 11:45:25
